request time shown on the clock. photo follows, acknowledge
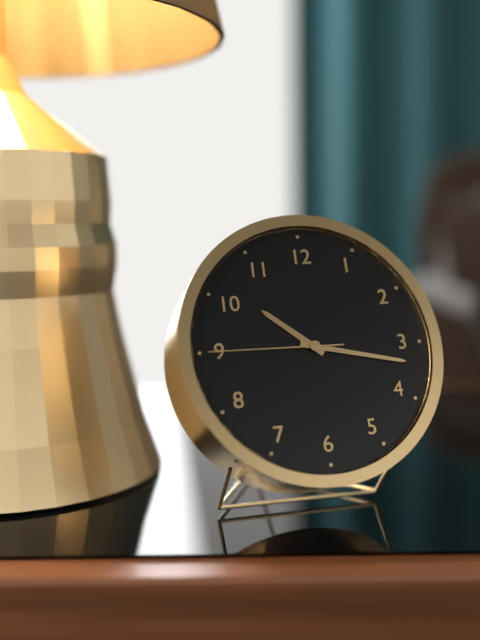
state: 10:17:45
